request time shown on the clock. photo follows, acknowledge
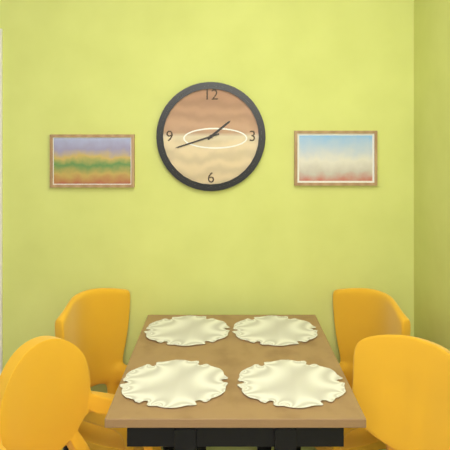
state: 1:42
